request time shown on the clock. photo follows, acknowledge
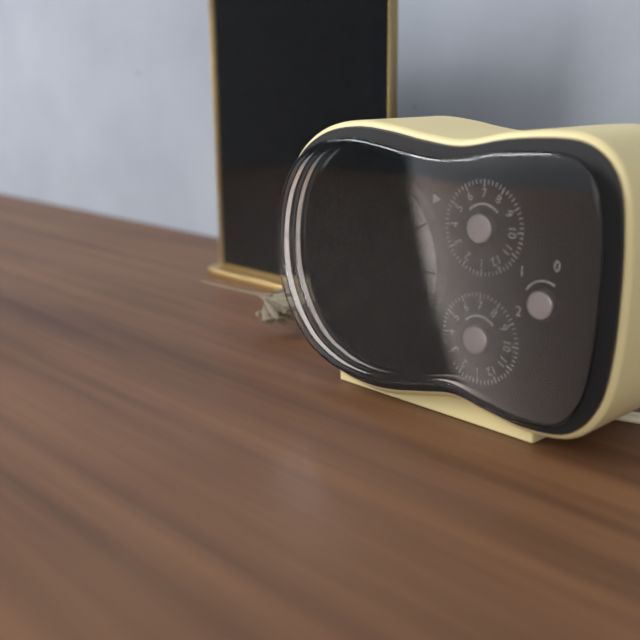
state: 4:18:47
